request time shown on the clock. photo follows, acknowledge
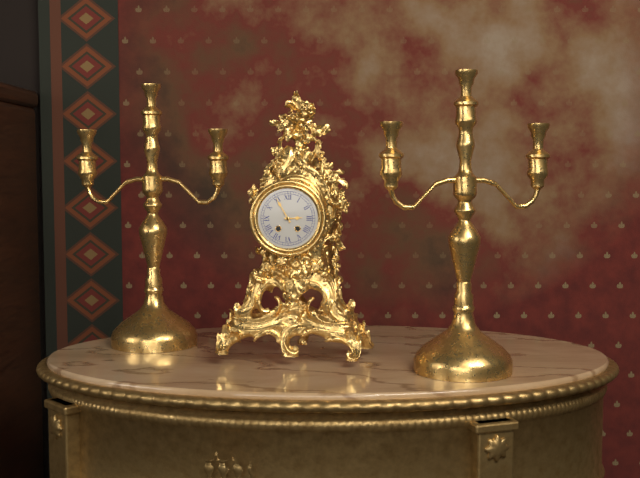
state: 2:55
